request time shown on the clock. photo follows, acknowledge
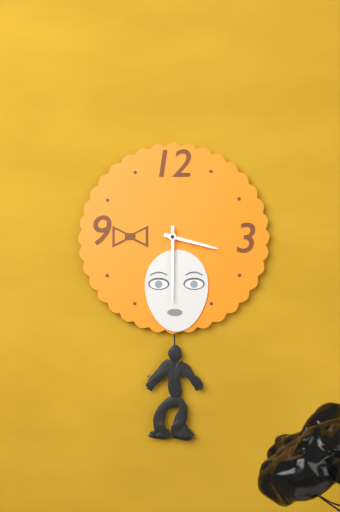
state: 3:30
